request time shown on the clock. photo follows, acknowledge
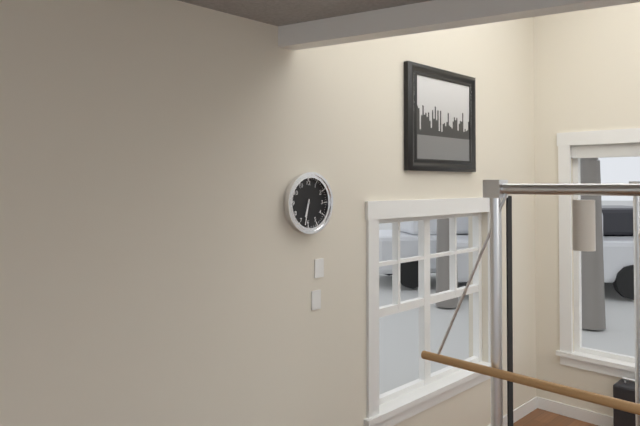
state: 6:32
